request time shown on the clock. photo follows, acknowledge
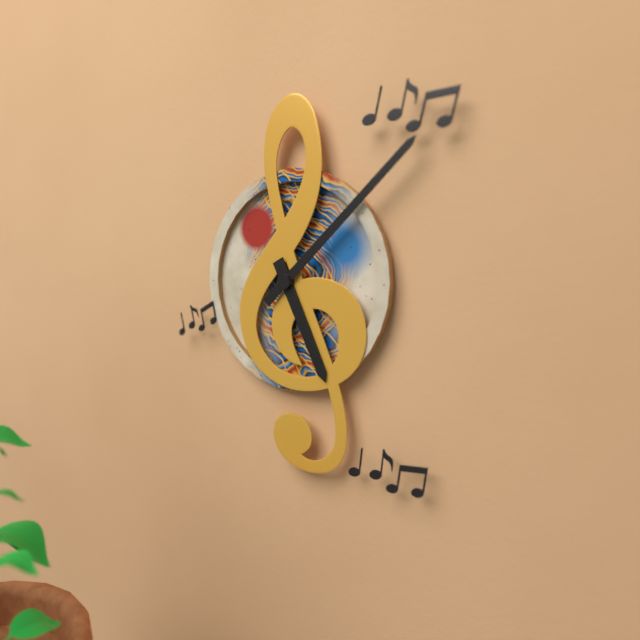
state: 5:08
